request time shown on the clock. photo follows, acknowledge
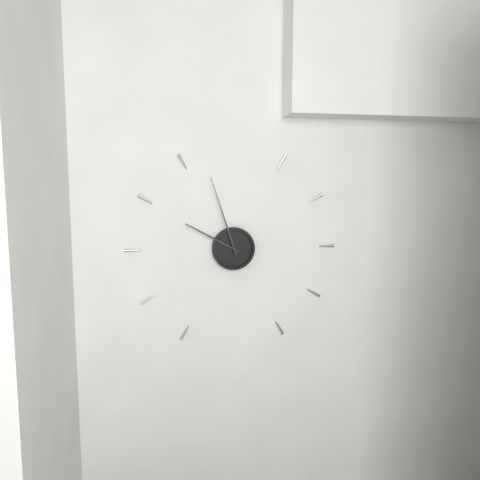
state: 9:57
